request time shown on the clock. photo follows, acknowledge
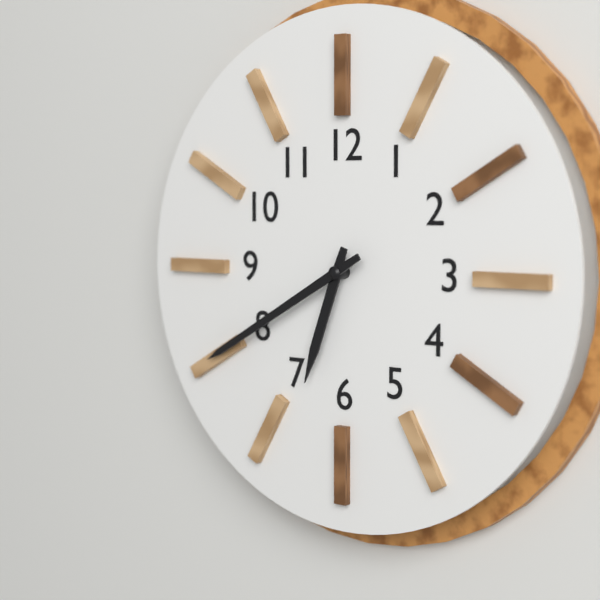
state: 6:40
